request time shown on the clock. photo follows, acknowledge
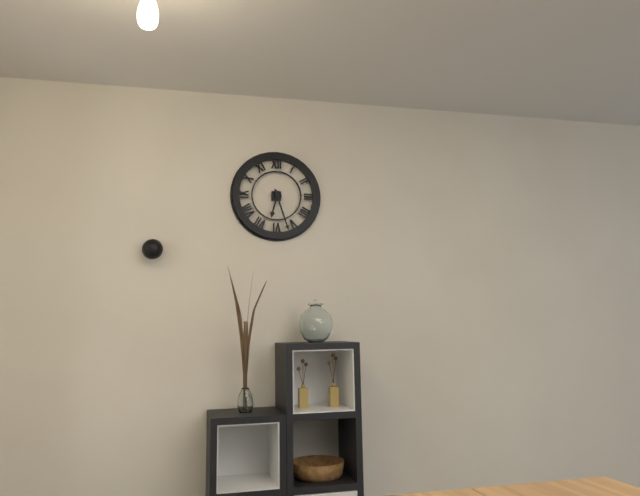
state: 6:27
